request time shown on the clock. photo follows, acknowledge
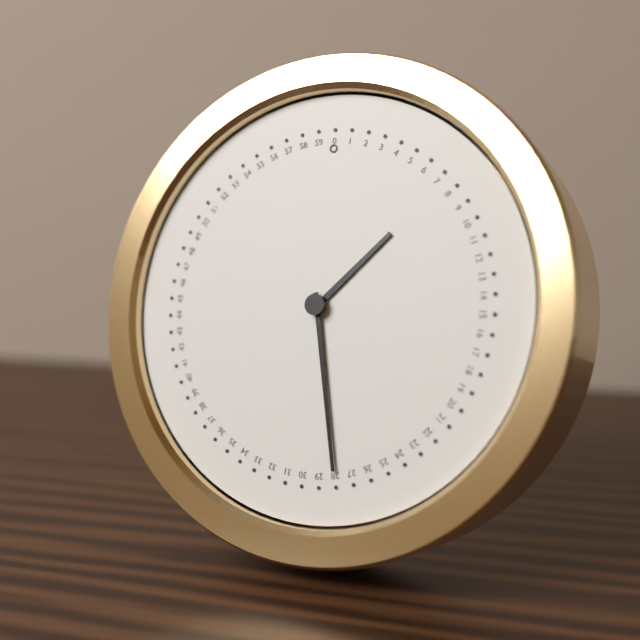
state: 1:28
